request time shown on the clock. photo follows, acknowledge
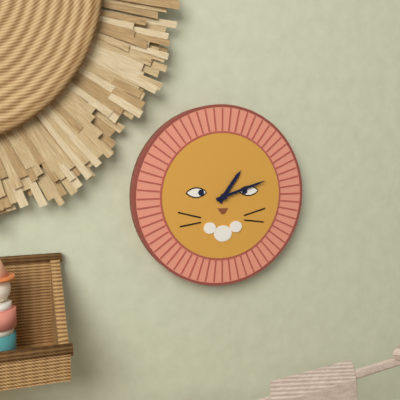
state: 1:12
